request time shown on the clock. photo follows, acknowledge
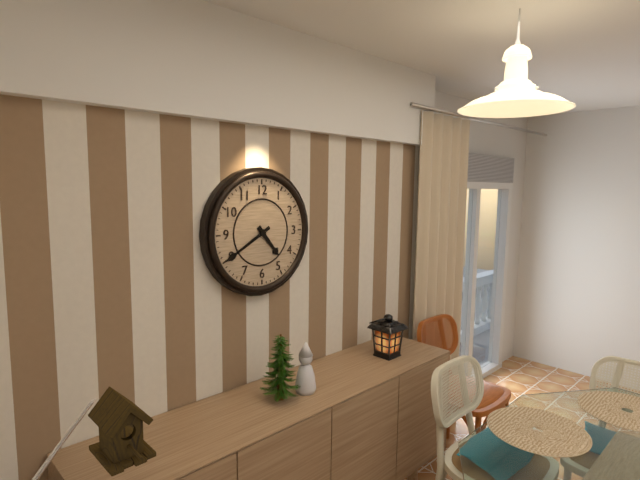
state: 4:40
